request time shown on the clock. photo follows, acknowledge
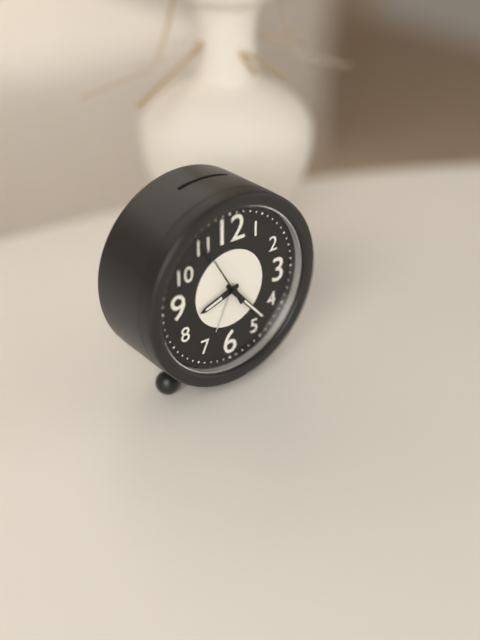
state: 8:23:55
